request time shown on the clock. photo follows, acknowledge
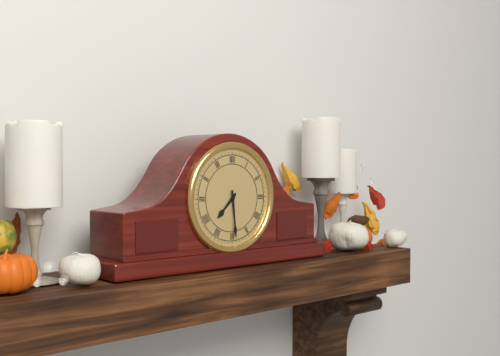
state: 7:29
